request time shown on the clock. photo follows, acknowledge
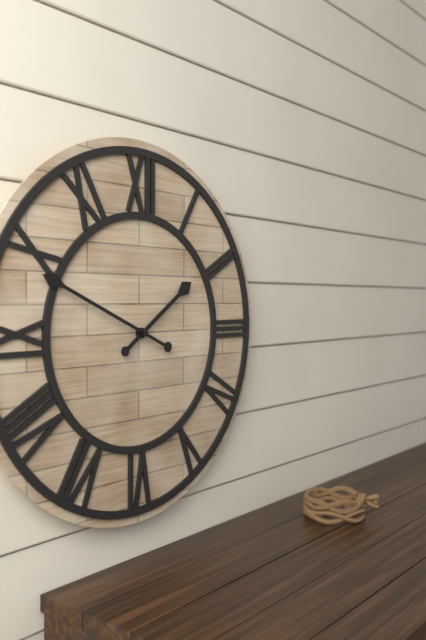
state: 1:49
